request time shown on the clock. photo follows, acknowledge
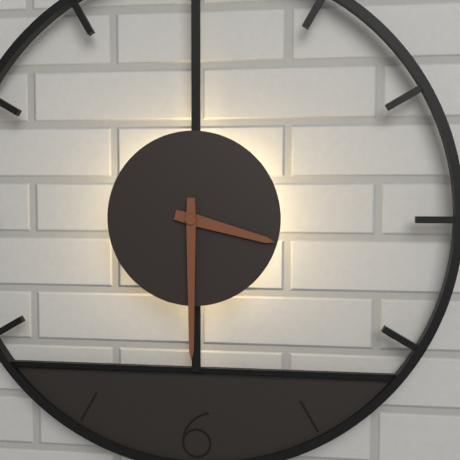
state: 3:30
